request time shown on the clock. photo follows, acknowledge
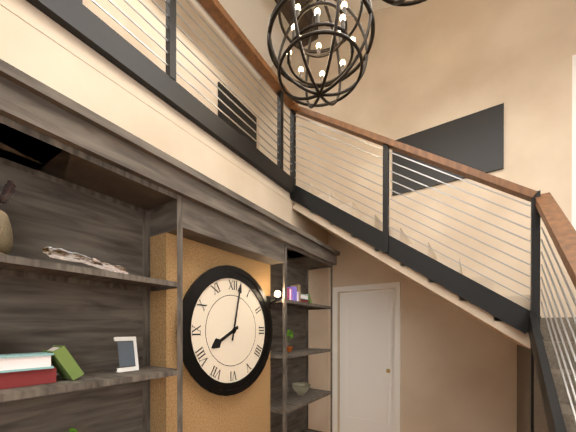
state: 8:02
